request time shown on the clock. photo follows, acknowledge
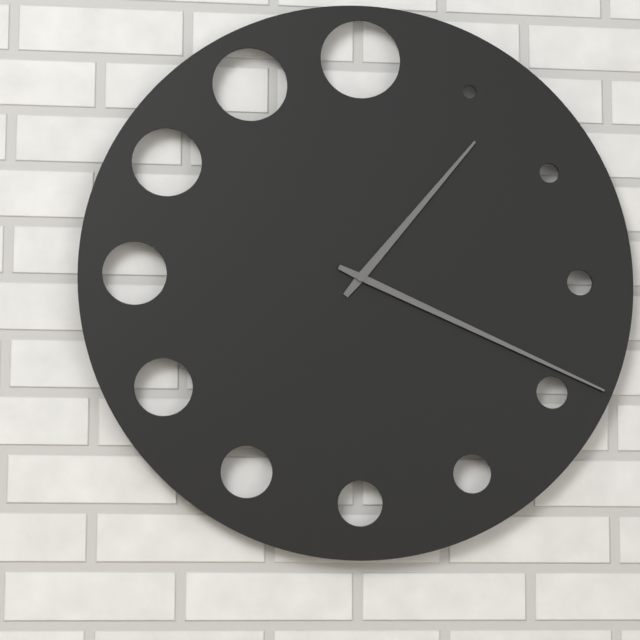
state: 1:19
